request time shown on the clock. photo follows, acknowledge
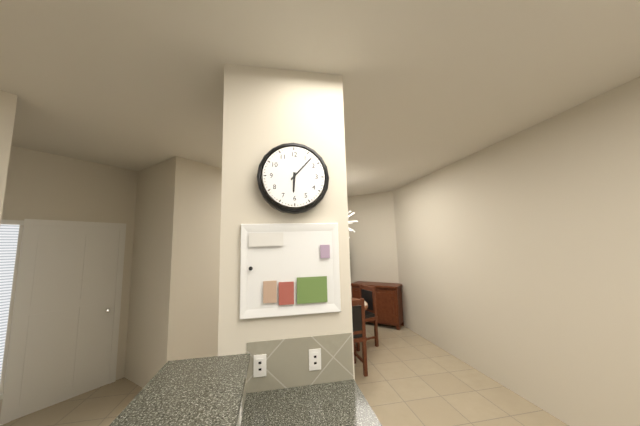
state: 6:07
